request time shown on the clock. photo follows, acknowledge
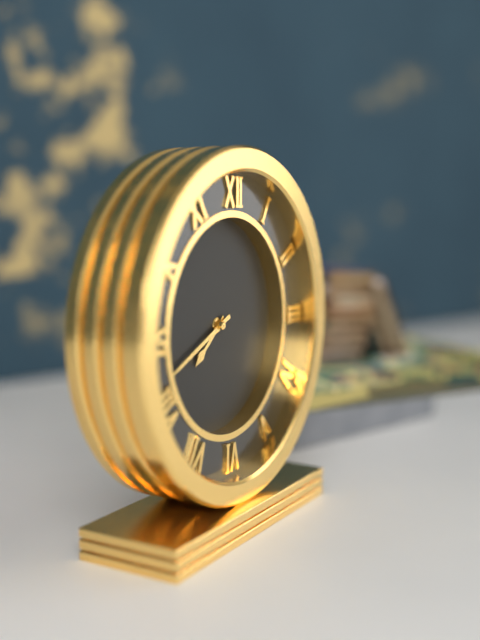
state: 7:41
